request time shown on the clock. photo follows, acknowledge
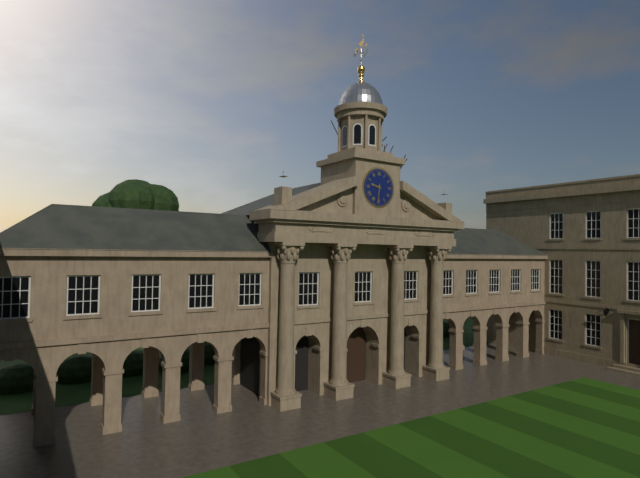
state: 9:31
